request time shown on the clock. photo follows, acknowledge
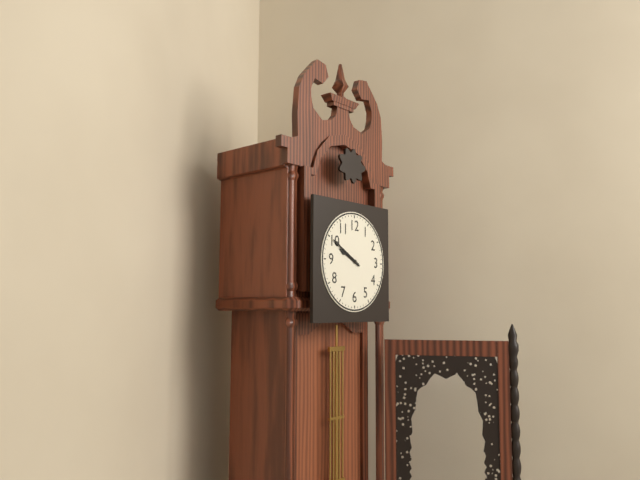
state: 9:50
